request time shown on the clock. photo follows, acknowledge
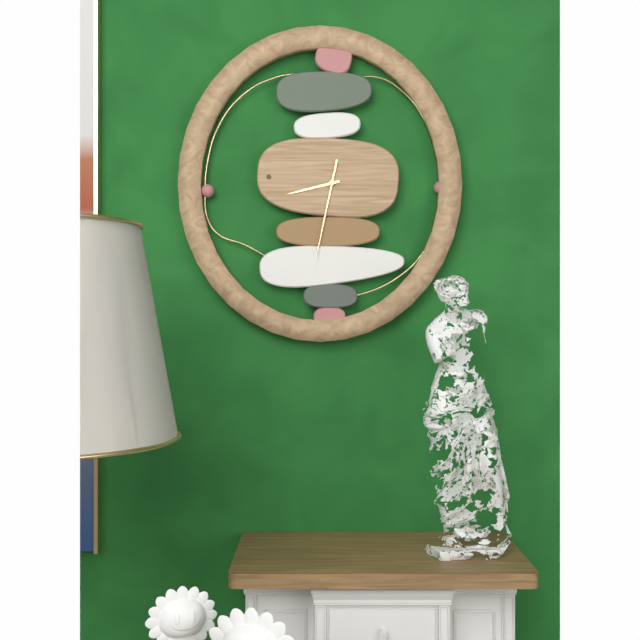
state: 8:32
